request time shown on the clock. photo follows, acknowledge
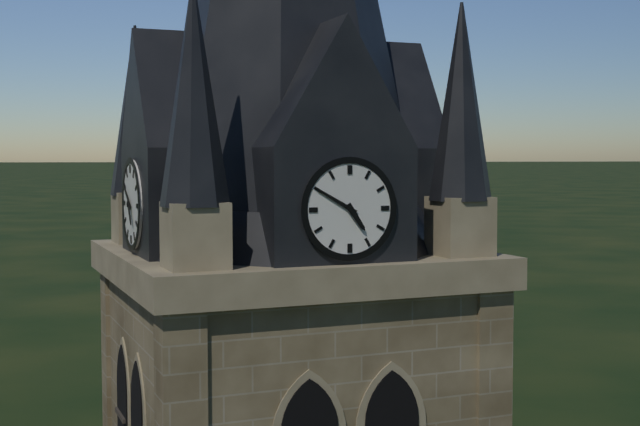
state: 4:50
